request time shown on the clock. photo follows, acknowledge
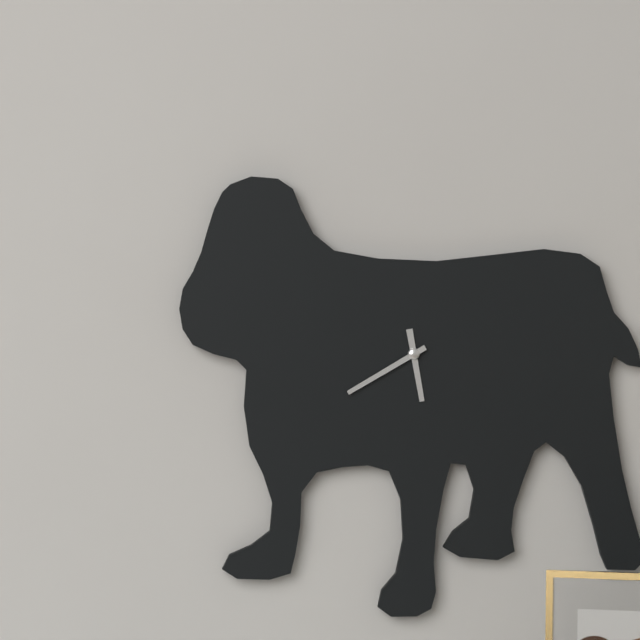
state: 5:40
